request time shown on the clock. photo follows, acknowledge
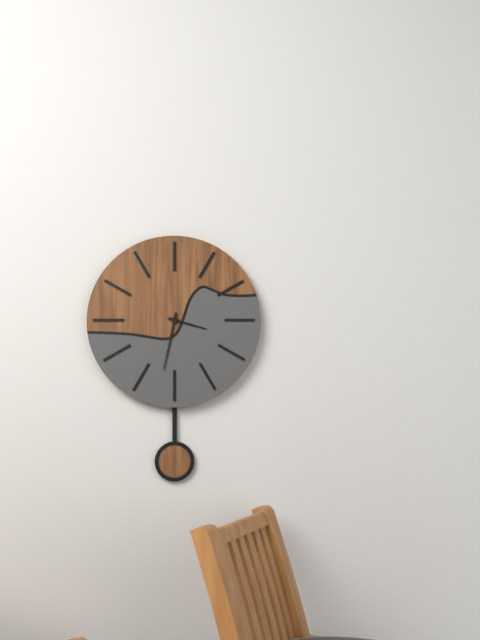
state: 3:32
